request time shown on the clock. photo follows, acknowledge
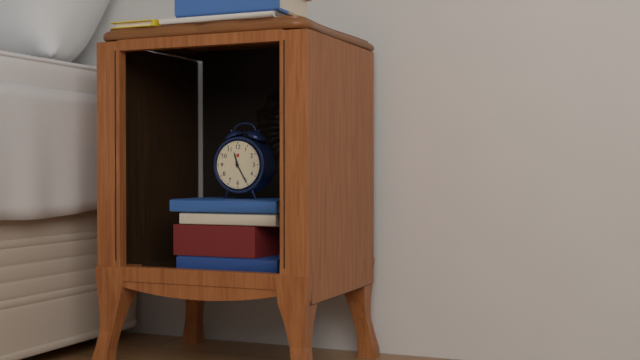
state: 11:25
